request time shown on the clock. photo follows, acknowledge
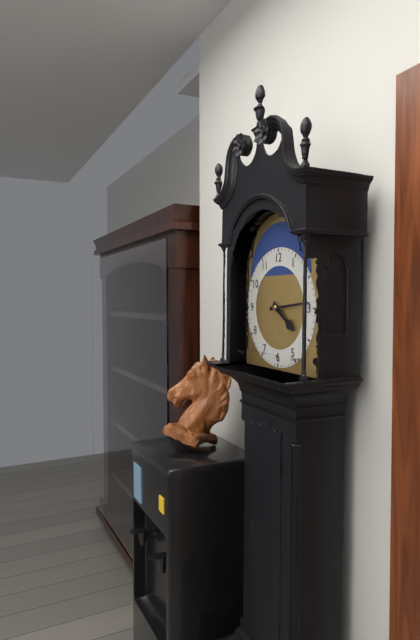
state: 4:14
